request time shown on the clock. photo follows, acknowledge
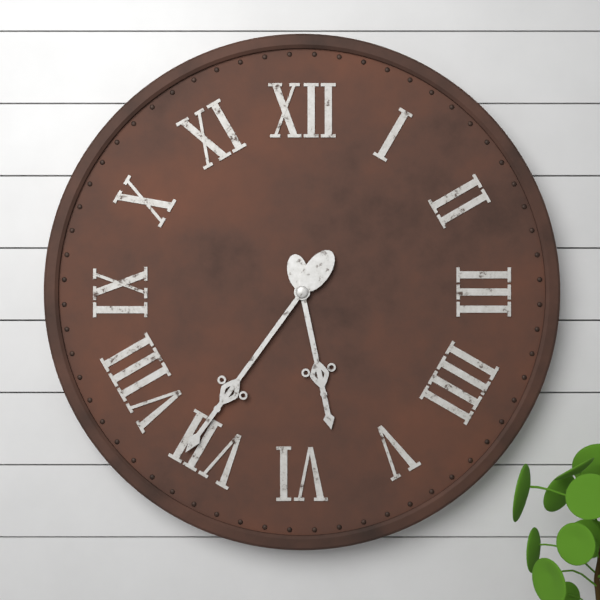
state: 5:36
